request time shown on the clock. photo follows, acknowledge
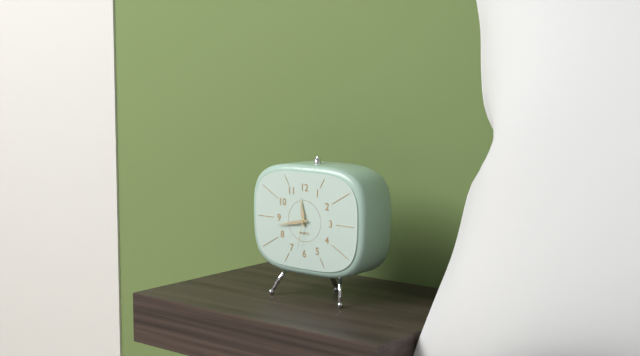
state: 11:43
